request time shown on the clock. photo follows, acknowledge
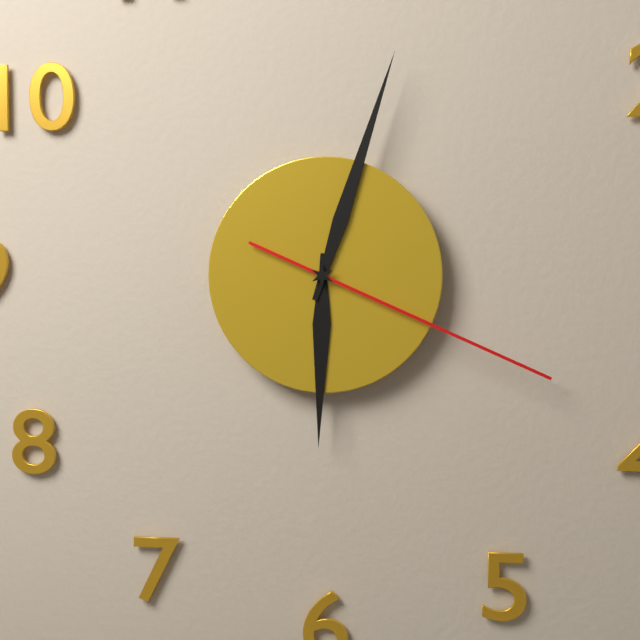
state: 6:03:19
